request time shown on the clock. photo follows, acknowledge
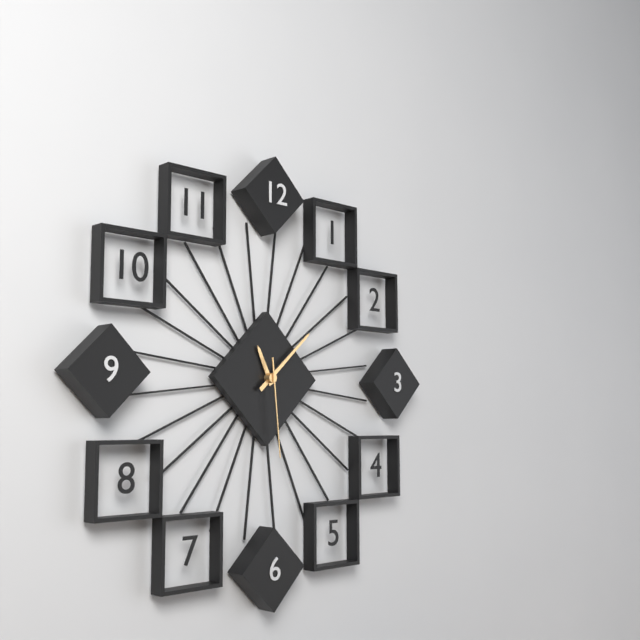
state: 11:08:29
